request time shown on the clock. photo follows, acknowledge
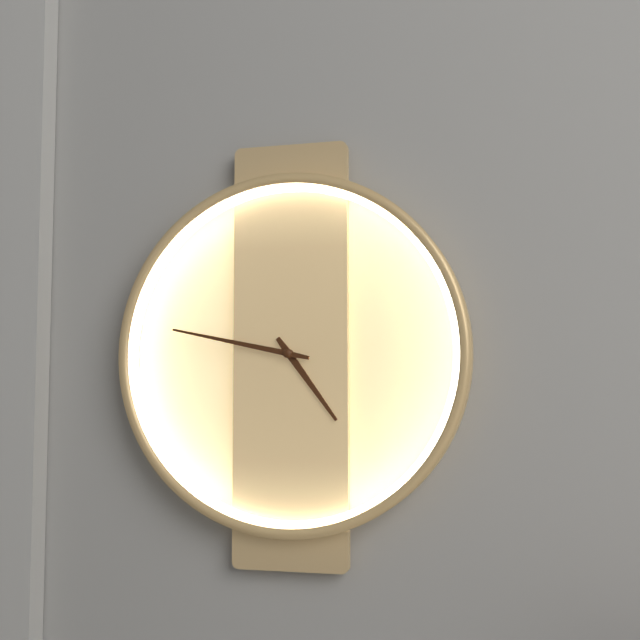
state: 4:47
